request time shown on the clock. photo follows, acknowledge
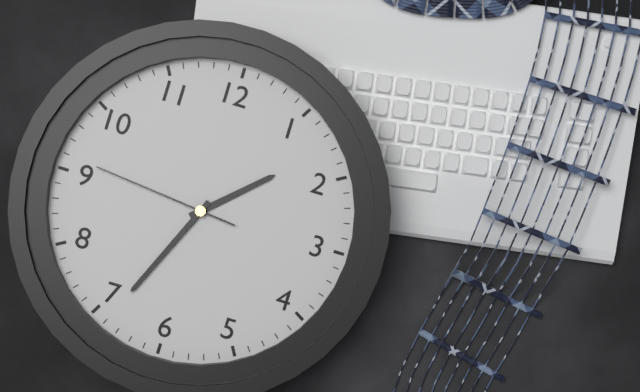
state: 1:34:46
